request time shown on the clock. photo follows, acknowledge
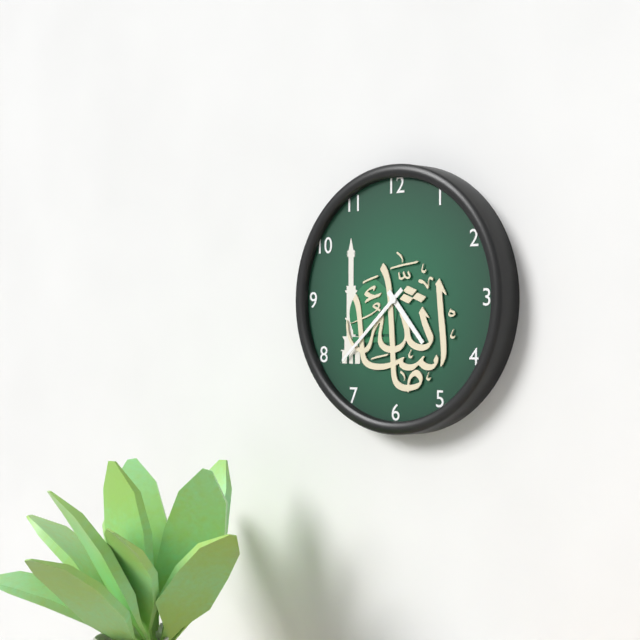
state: 4:38
